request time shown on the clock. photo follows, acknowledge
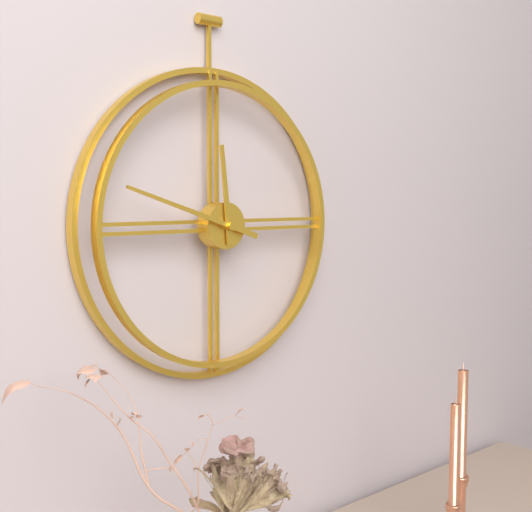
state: 11:48
